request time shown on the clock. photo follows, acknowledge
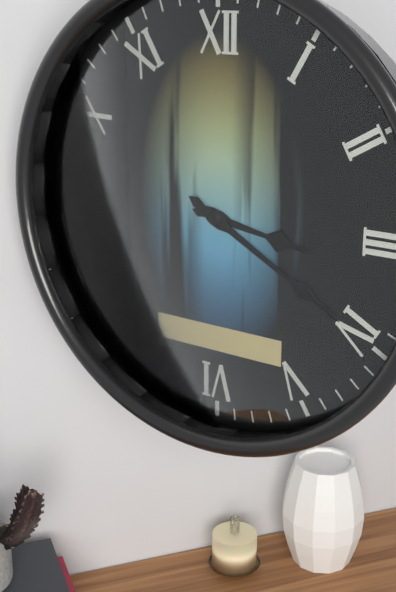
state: 3:20
